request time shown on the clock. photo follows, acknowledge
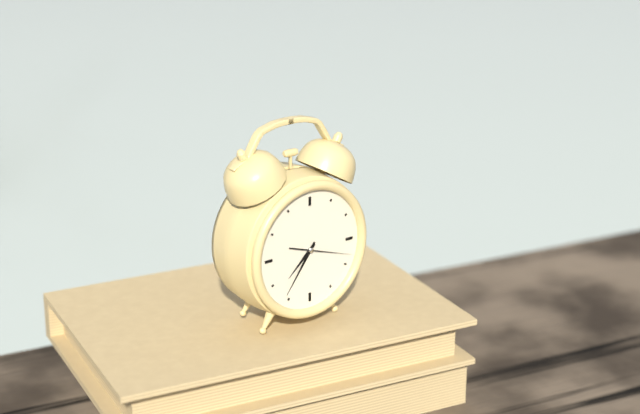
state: 7:36:18
